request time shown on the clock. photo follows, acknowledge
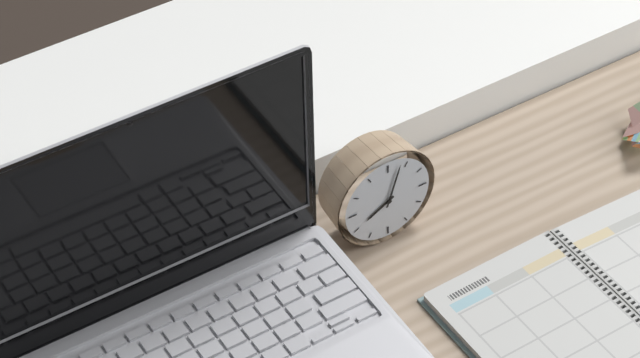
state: 8:03
